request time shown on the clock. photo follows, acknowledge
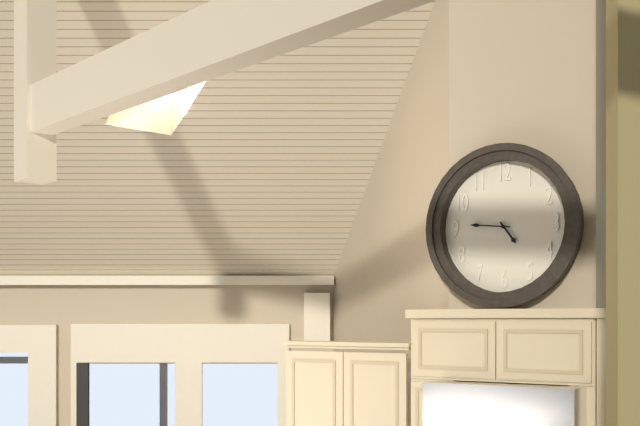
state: 4:46
